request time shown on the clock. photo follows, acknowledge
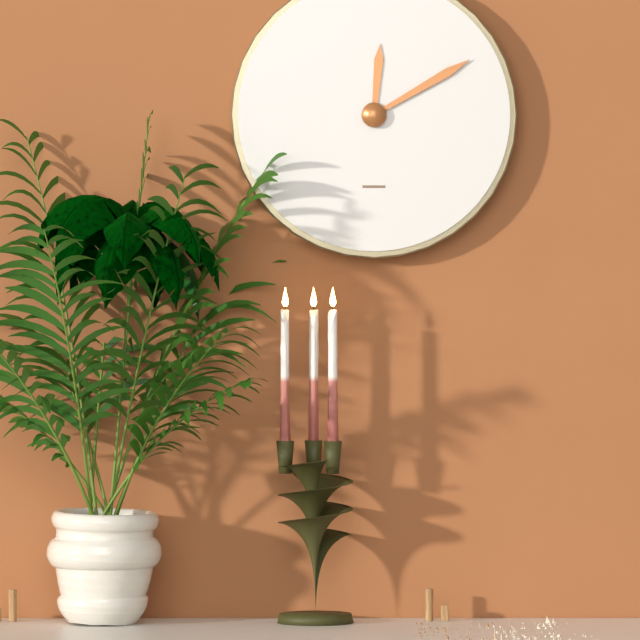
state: 12:10
